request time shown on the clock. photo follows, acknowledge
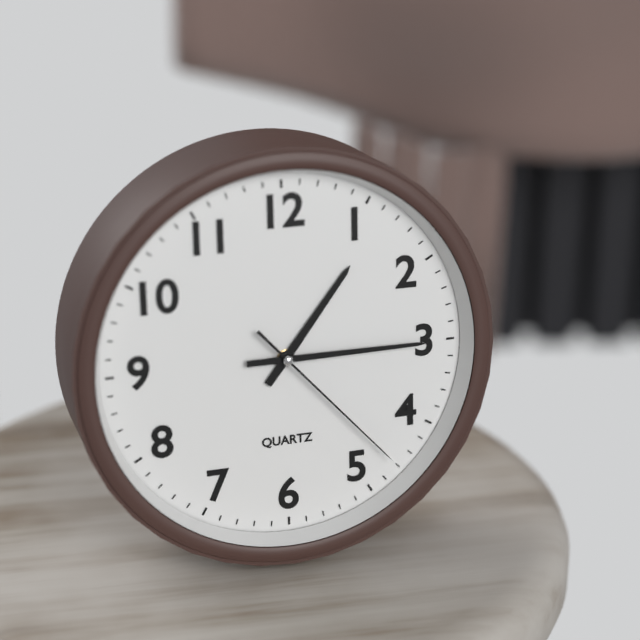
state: 1:15:23
